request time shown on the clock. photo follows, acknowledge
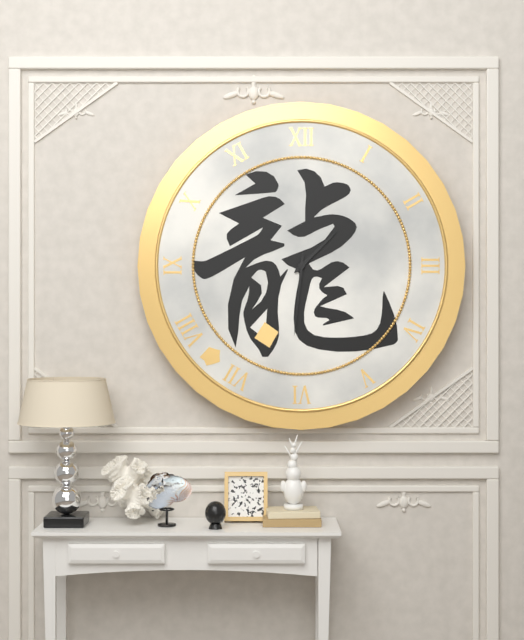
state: 1:31
